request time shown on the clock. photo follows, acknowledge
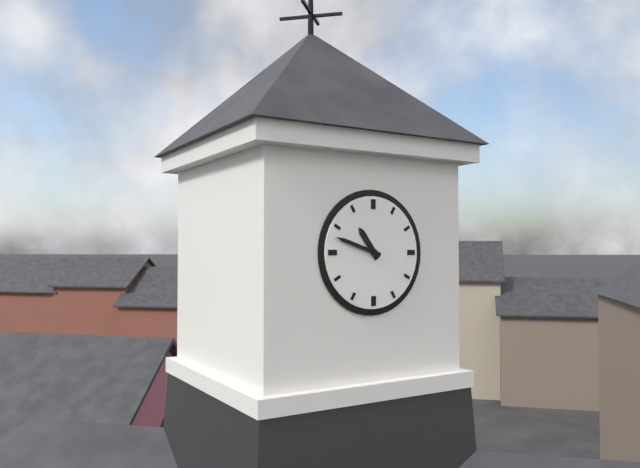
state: 10:48
